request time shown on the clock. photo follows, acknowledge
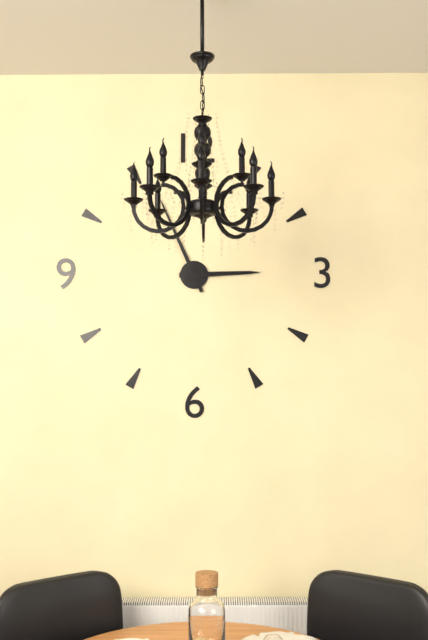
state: 2:56
